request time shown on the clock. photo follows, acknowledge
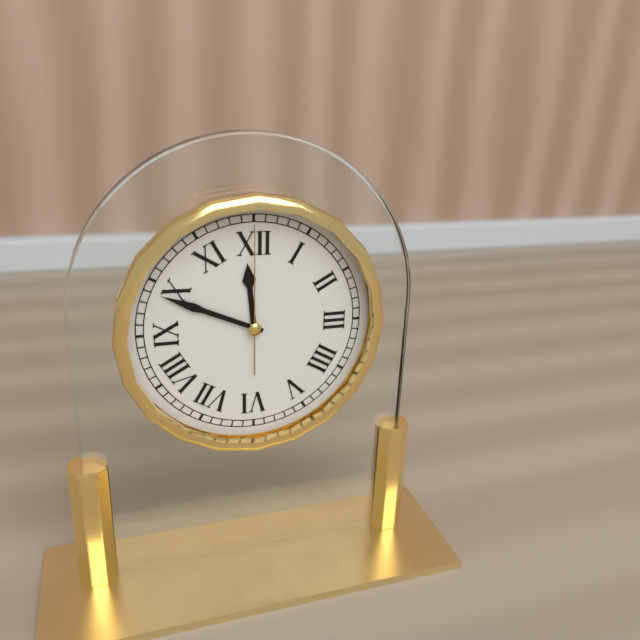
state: 11:49:00
